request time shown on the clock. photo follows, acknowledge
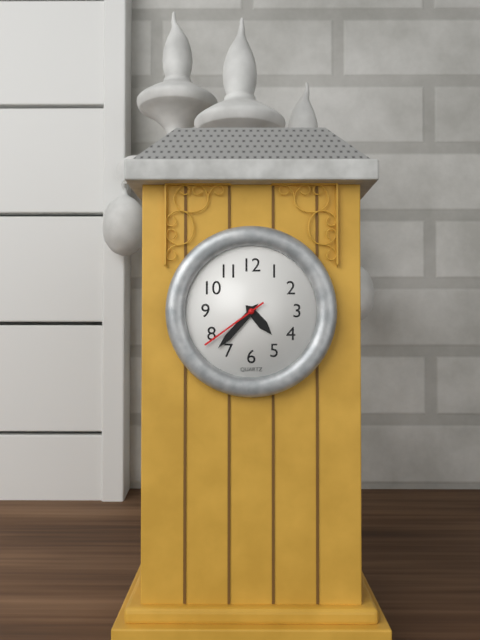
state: 4:37:39
